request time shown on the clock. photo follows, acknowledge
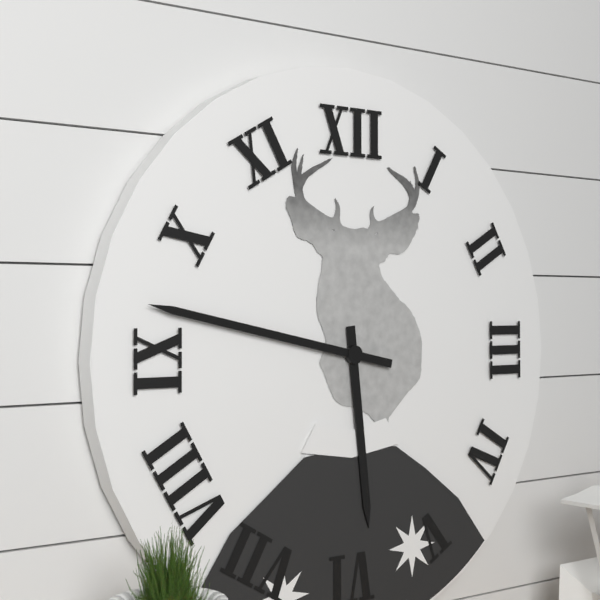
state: 5:47
